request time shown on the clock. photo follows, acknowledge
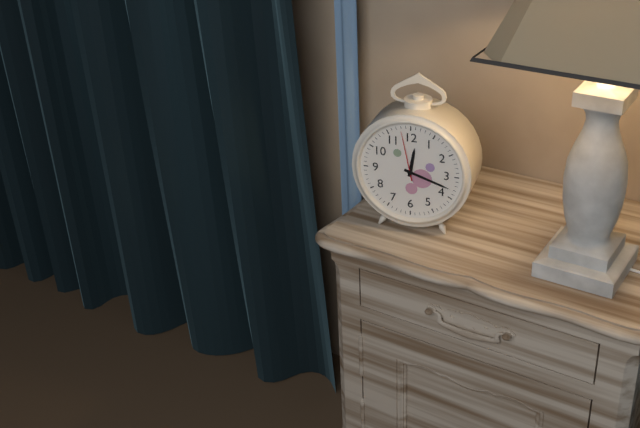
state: 12:18:58
